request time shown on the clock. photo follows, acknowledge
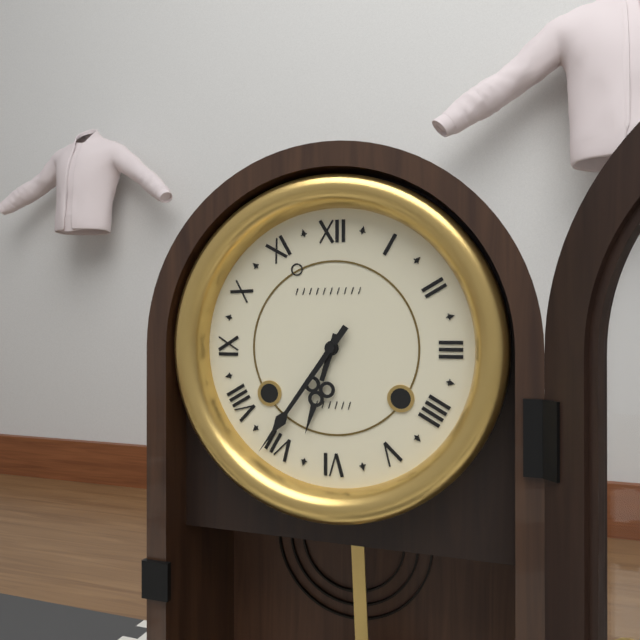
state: 6:36
